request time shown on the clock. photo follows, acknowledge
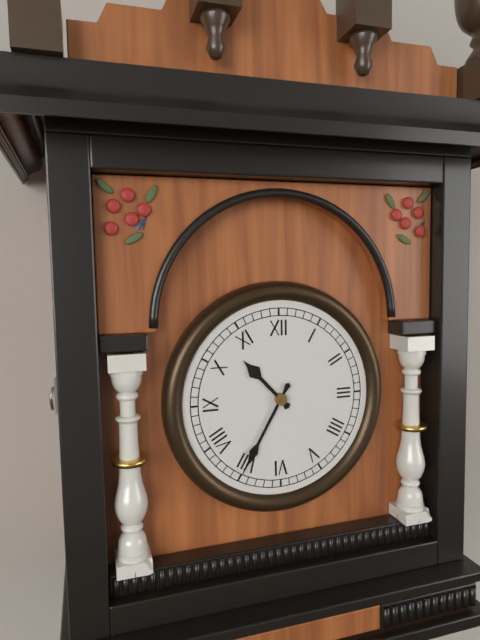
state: 10:35
